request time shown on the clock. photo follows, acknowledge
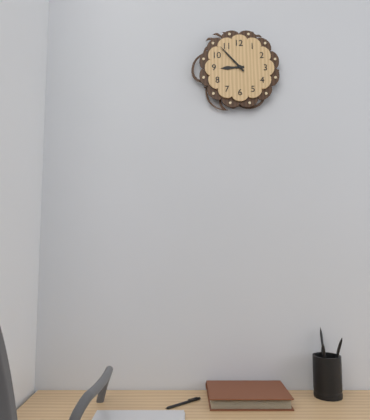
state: 8:53
